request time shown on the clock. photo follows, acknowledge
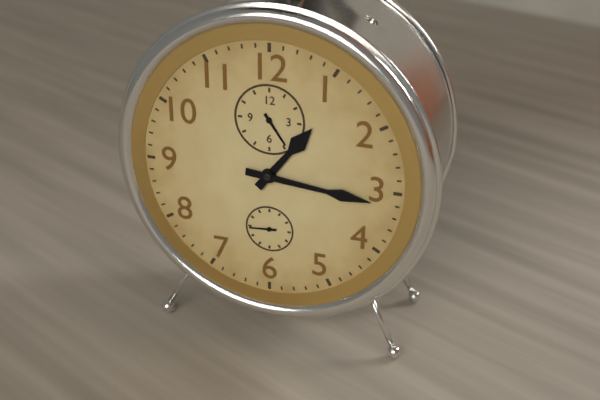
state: 1:16
